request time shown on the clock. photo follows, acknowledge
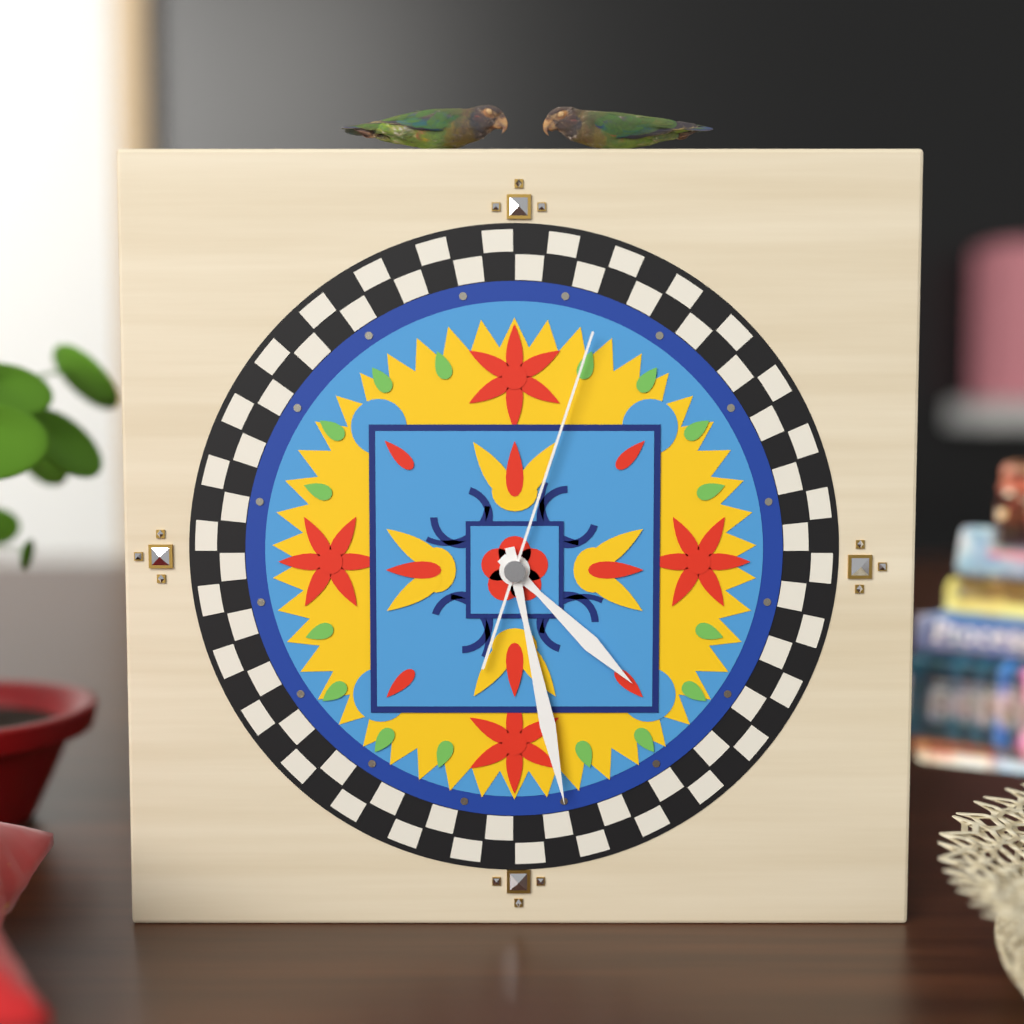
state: 4:28:03
